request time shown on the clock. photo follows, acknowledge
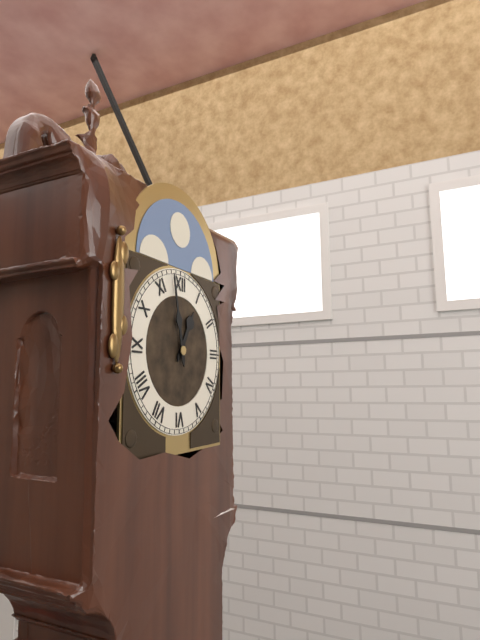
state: 12:58
